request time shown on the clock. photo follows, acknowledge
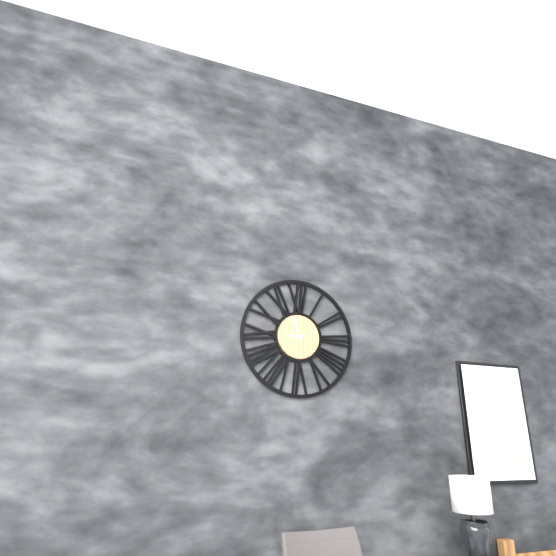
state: 8:57
